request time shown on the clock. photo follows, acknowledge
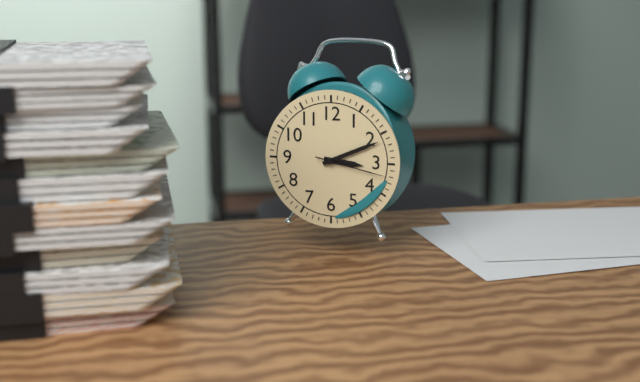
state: 3:11:17
